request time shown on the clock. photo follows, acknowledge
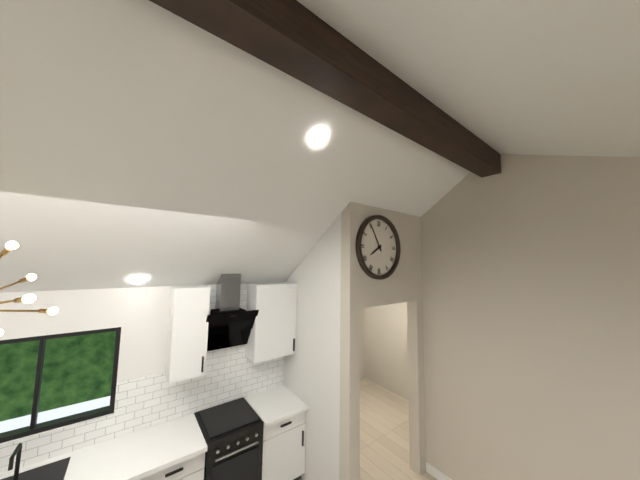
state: 7:55
